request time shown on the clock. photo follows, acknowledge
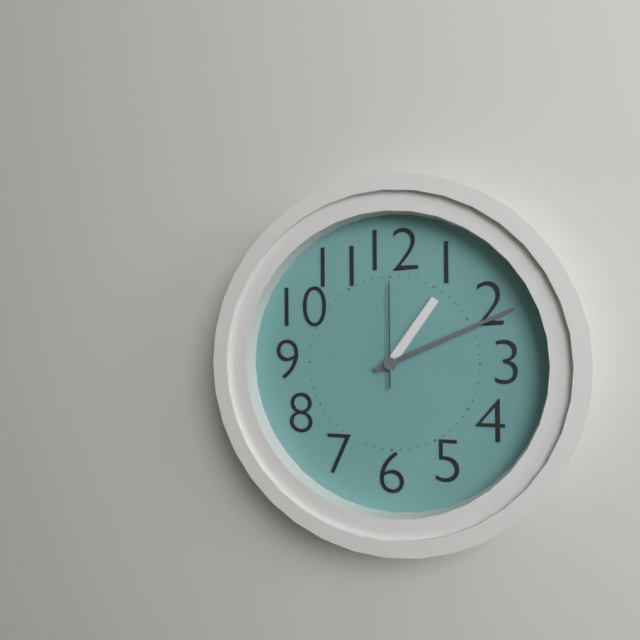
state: 1:11:00
